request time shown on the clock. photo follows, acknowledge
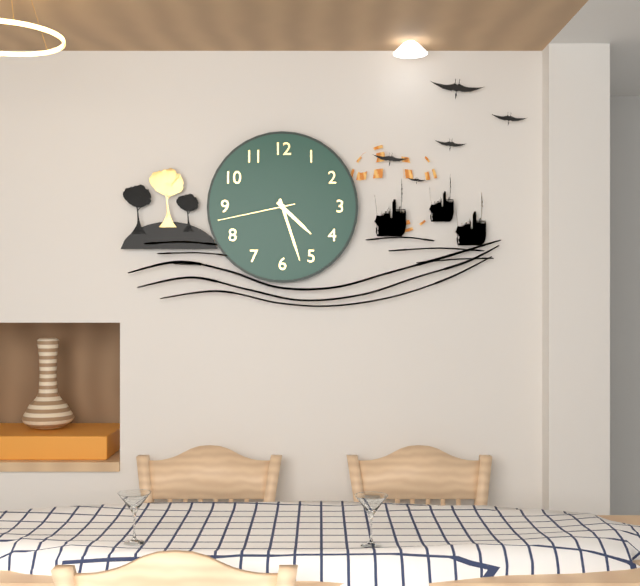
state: 4:27:43
